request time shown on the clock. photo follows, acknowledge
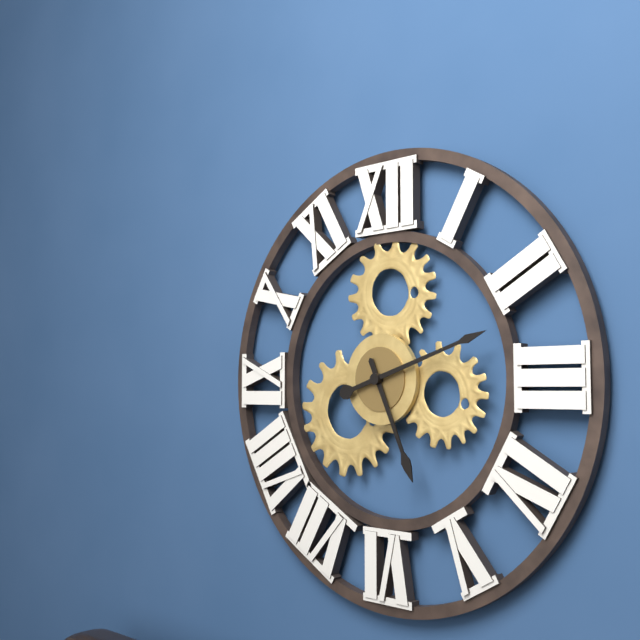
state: 5:12
